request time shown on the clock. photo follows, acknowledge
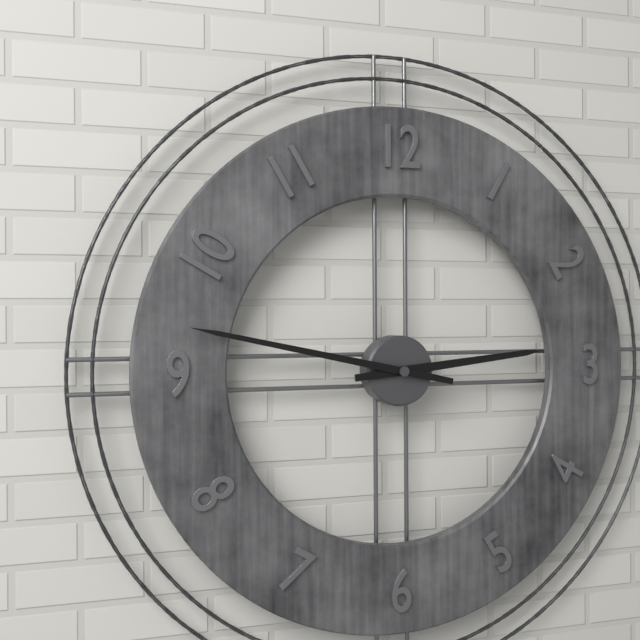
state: 2:47
